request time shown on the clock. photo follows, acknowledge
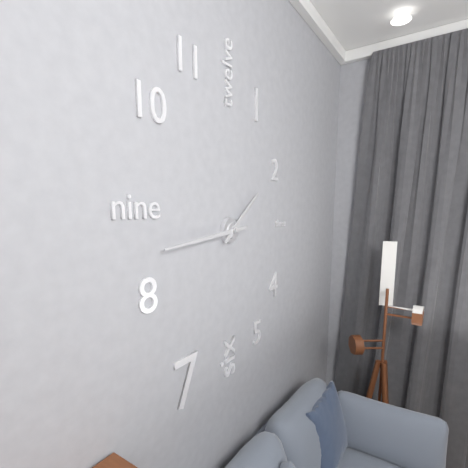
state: 1:44
